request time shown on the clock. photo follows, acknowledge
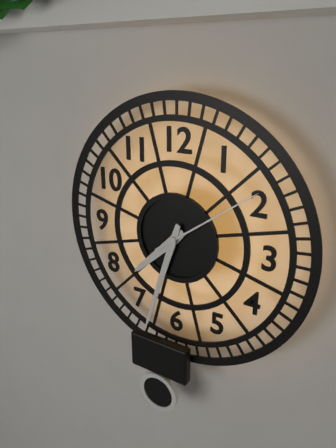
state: 7:33:09
